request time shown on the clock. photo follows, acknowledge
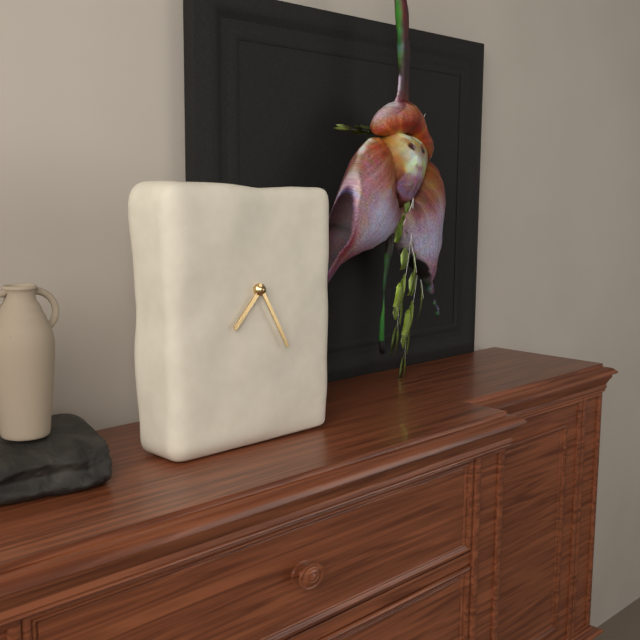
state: 7:25
